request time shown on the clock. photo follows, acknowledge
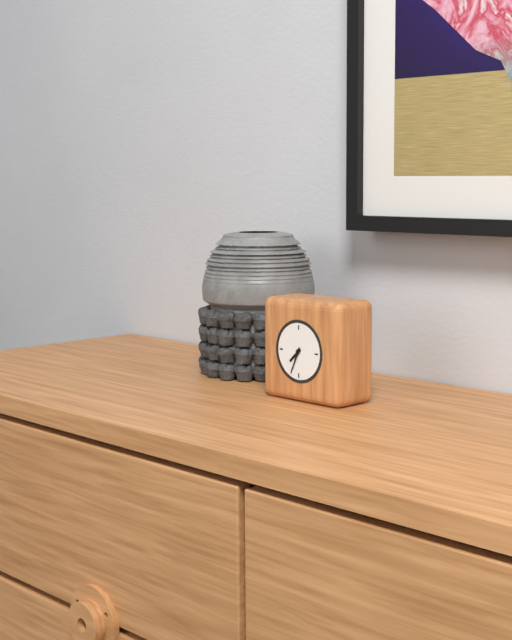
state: 7:34
